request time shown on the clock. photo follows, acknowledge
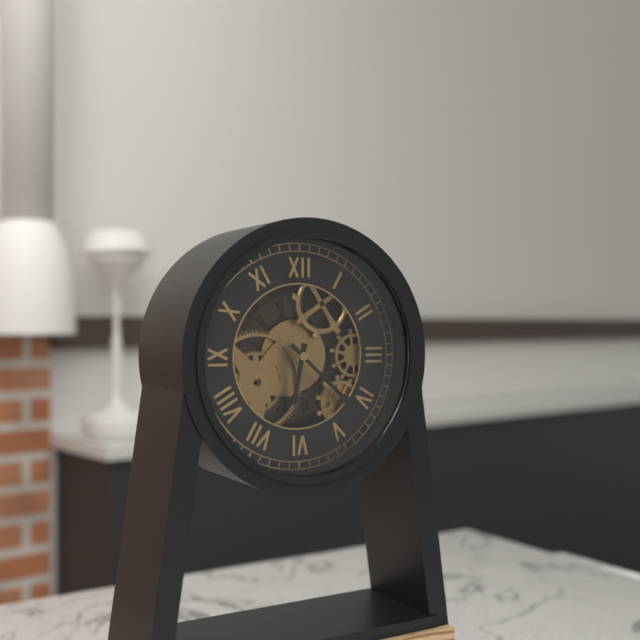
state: 6:22
